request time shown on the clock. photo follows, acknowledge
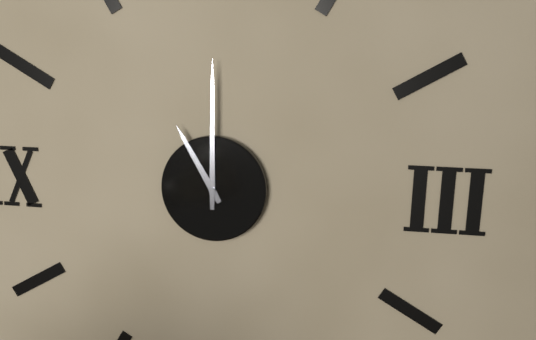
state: 11:00
